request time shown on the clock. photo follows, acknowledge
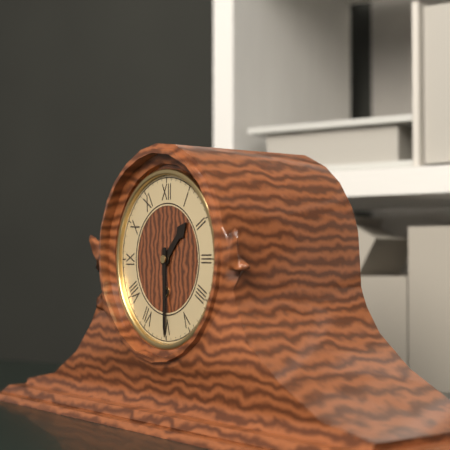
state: 1:30
